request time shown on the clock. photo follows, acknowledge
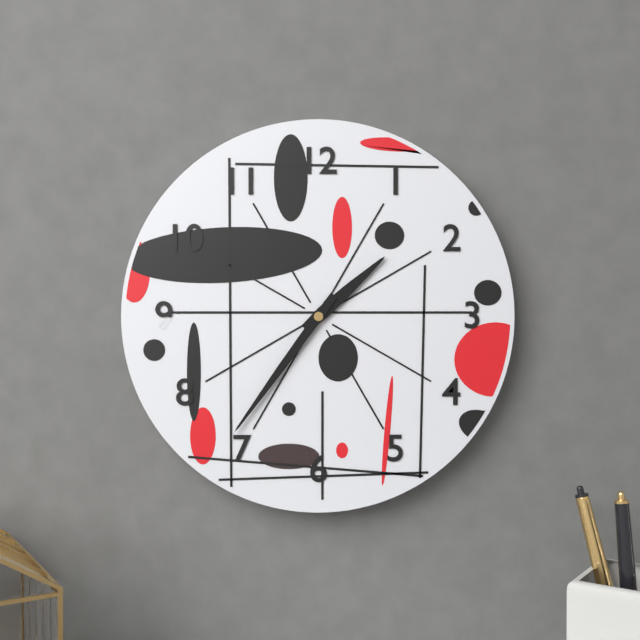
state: 1:36
